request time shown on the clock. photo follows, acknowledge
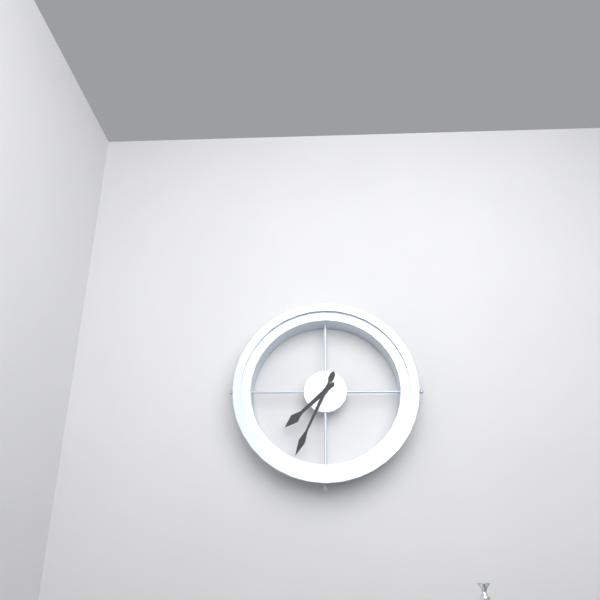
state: 7:34
